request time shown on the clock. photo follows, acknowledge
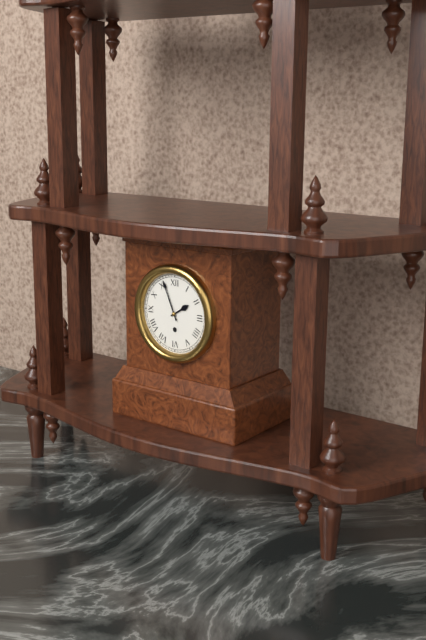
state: 1:56
